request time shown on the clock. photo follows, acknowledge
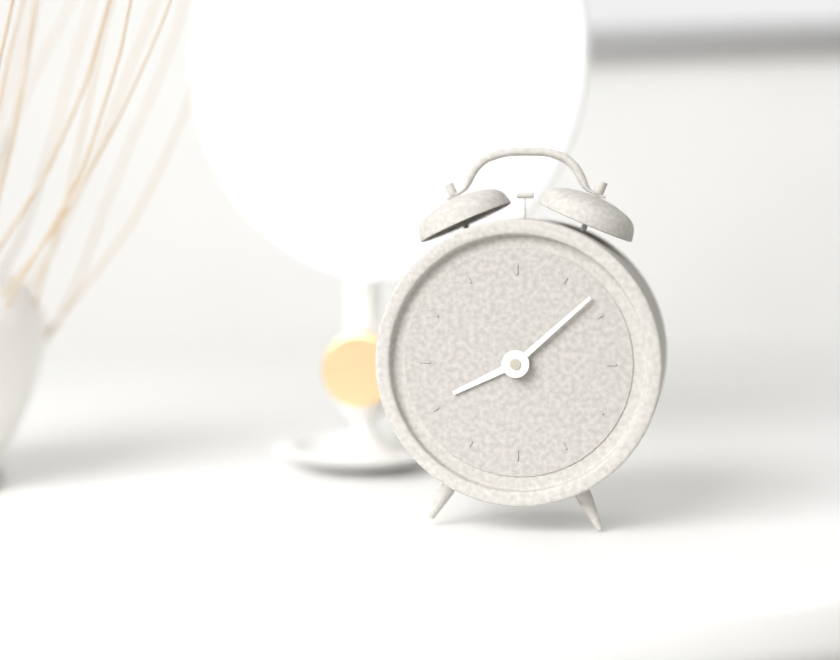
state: 8:08
